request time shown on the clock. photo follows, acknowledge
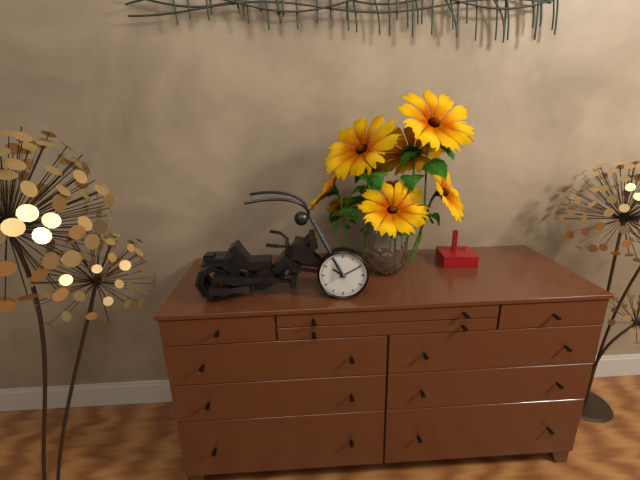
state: 10:10
